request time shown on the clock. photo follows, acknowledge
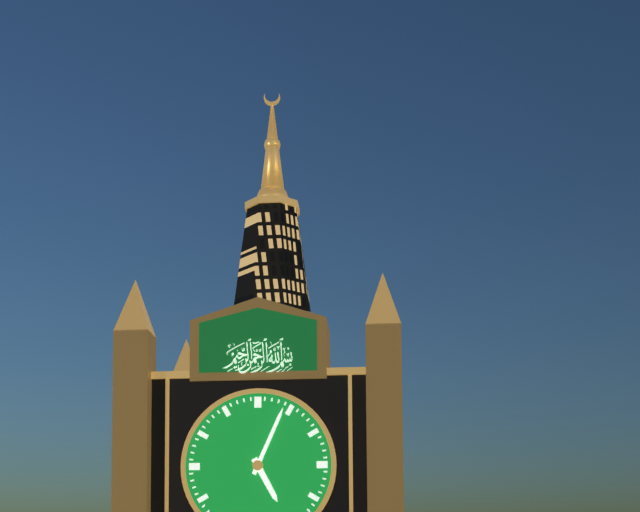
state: 5:04
